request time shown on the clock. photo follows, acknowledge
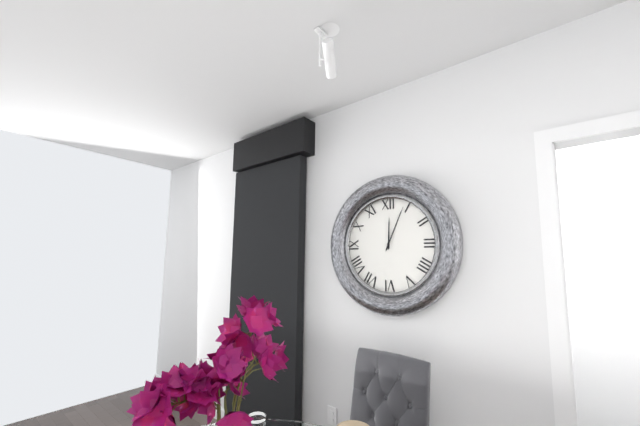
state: 12:04
